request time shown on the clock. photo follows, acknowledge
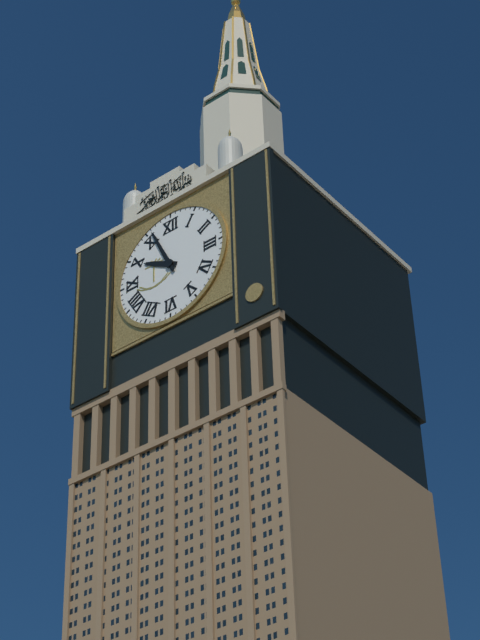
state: 9:56
